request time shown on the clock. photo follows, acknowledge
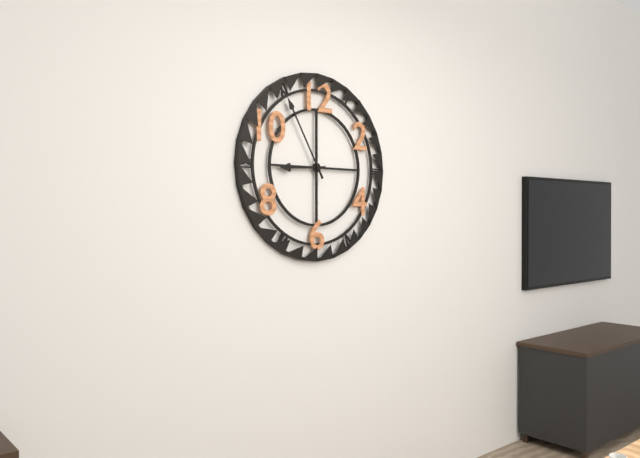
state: 8:55
